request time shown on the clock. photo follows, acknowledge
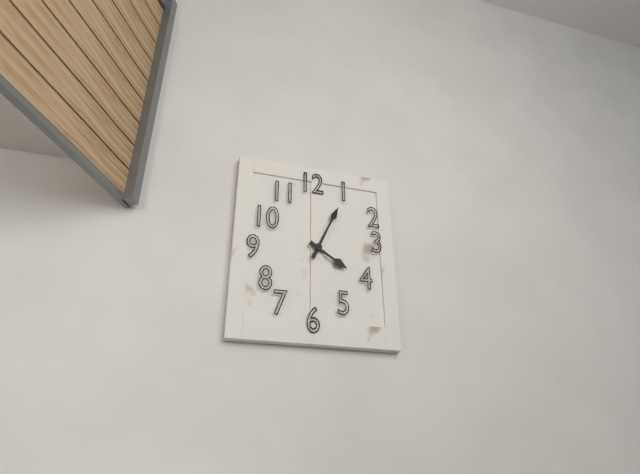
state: 4:04
